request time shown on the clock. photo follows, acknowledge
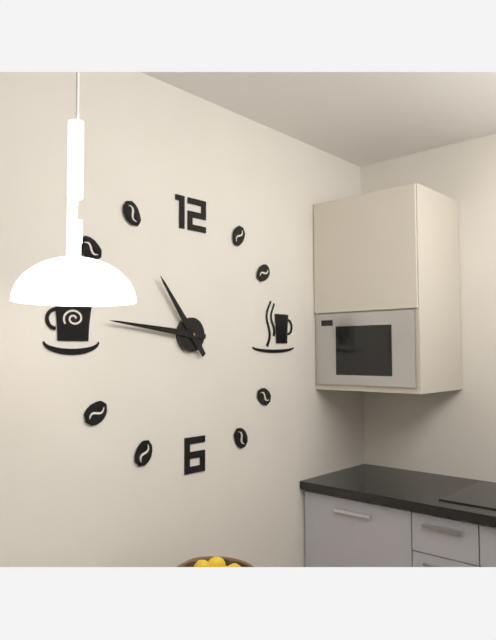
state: 10:46
